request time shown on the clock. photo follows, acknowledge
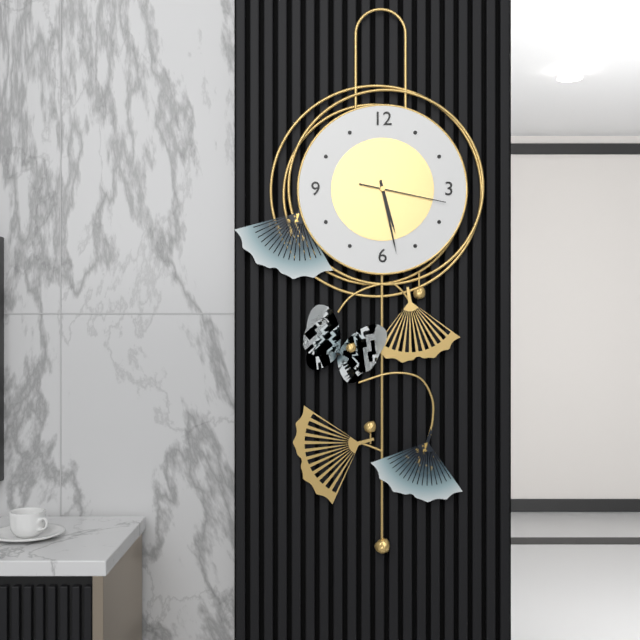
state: 5:28:17
